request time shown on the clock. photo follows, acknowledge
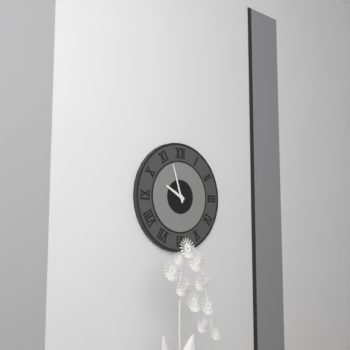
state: 9:57
